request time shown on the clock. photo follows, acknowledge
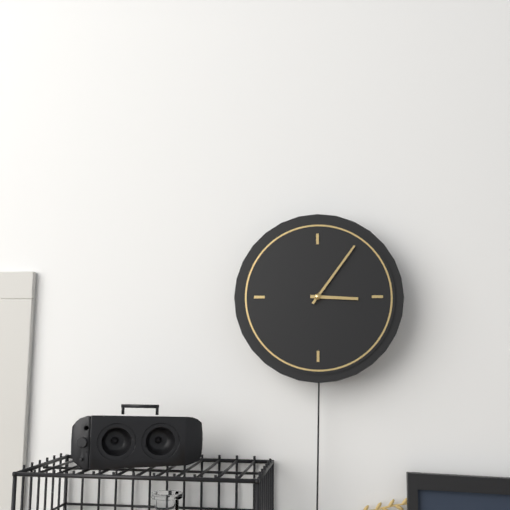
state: 3:06
